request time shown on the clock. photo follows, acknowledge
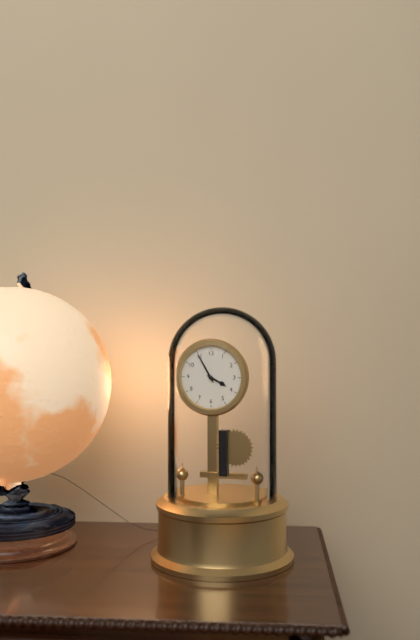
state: 3:55
